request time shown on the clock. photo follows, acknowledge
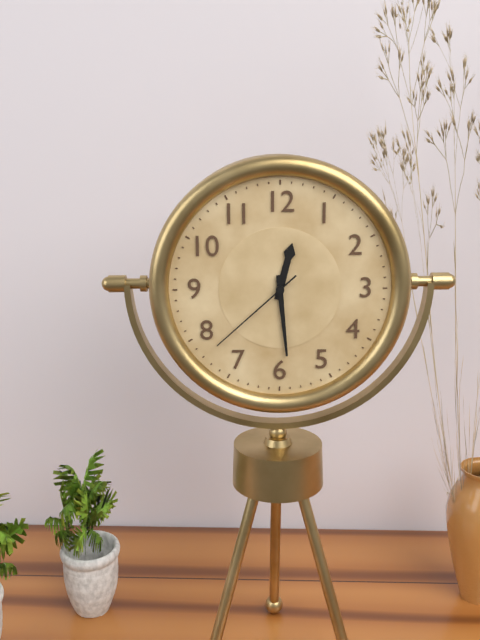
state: 12:29:38
